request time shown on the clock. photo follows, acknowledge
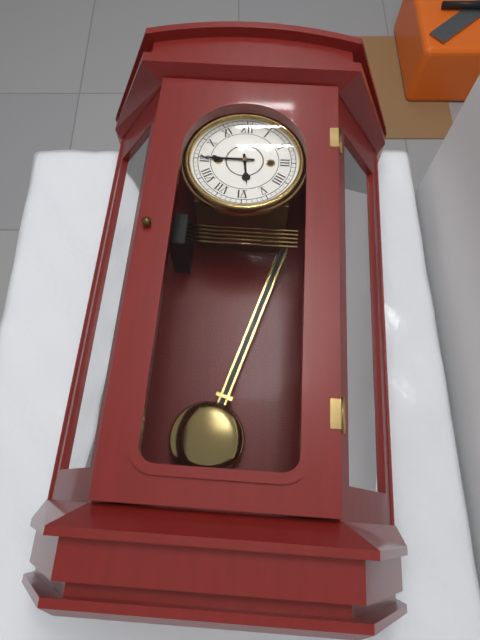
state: 5:45
